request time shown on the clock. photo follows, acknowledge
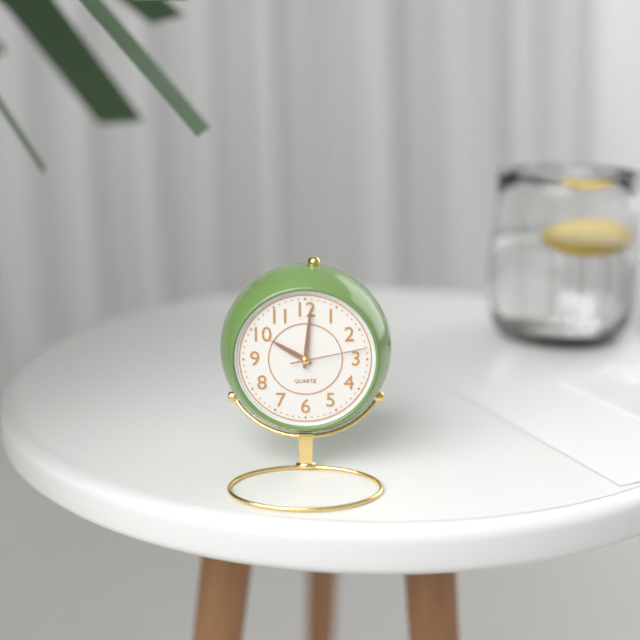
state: 10:01:13
